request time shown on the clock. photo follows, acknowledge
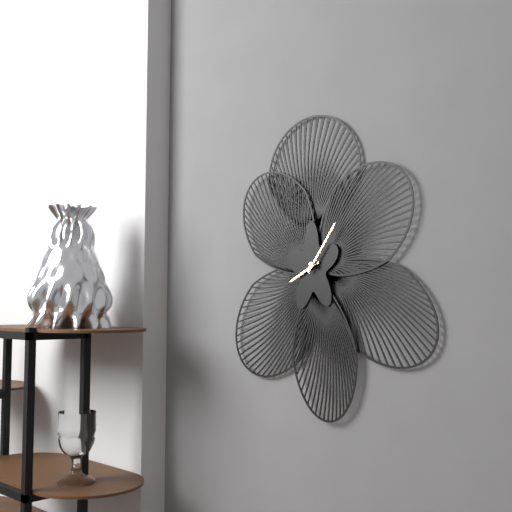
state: 8:06
